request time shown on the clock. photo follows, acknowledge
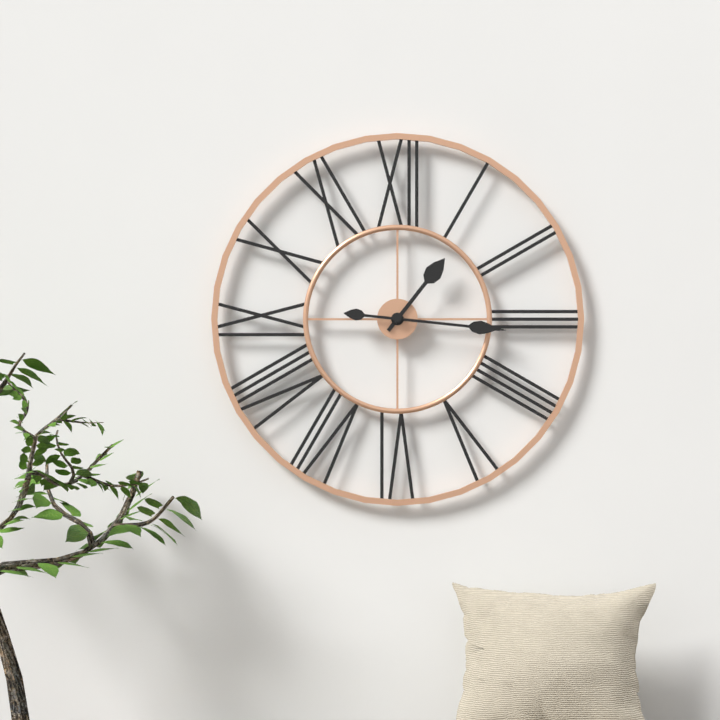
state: 1:16
